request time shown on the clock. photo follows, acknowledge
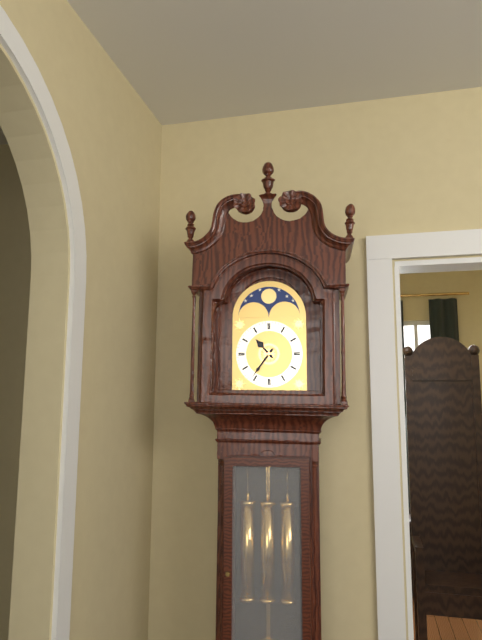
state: 10:36
